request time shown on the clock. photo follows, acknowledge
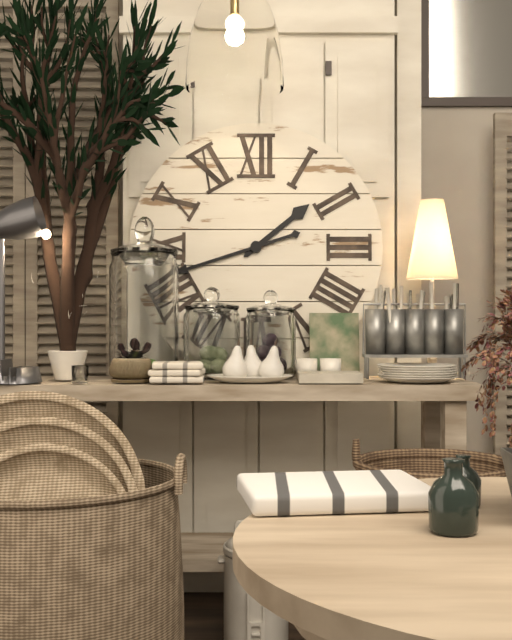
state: 1:42
